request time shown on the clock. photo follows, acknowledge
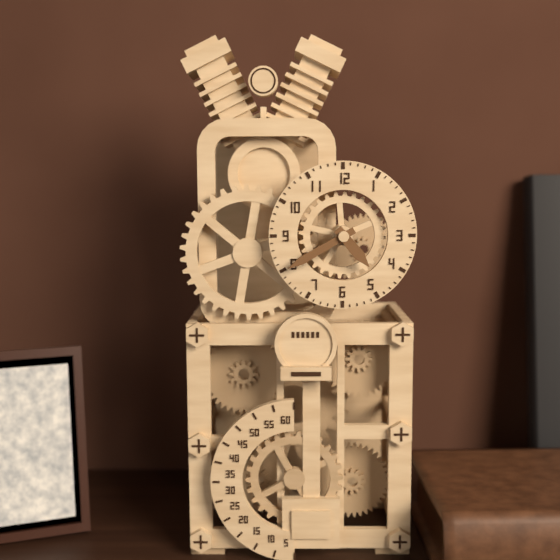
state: 4:40
